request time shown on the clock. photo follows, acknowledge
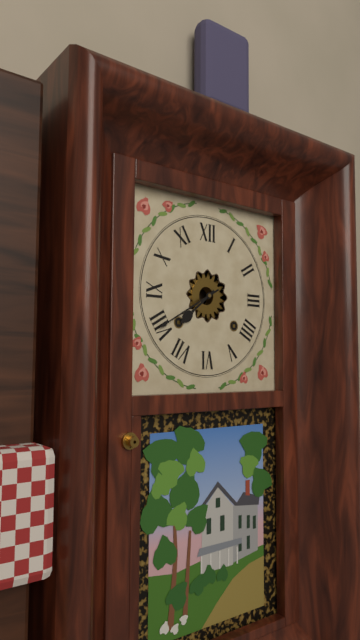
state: 7:40
